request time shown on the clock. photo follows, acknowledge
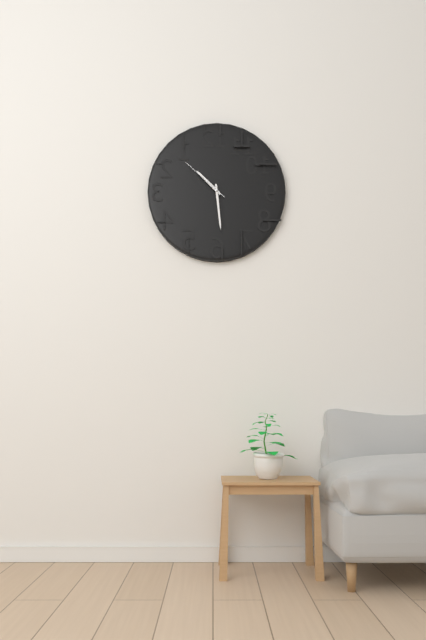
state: 10:29:52
